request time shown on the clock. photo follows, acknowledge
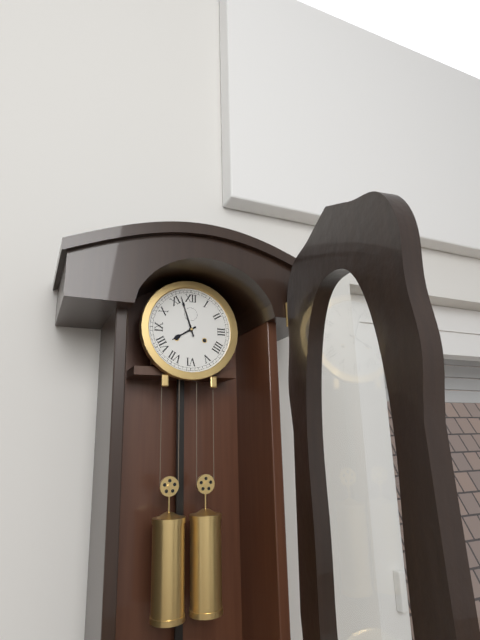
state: 7:57
